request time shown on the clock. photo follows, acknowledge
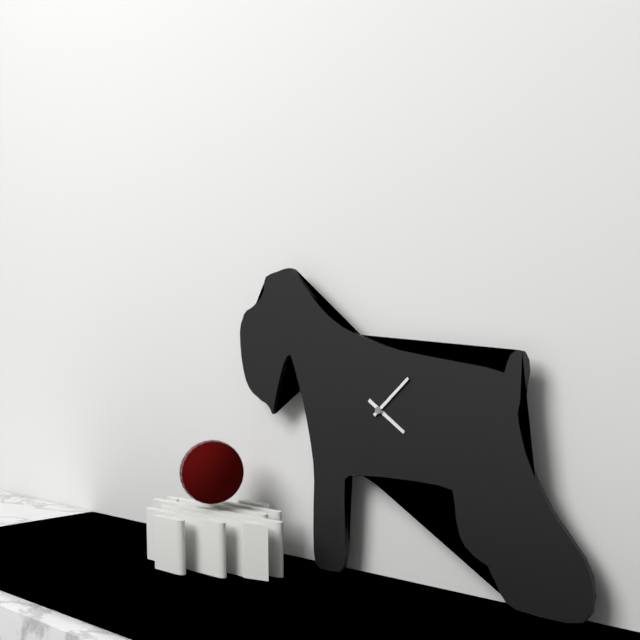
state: 4:08
